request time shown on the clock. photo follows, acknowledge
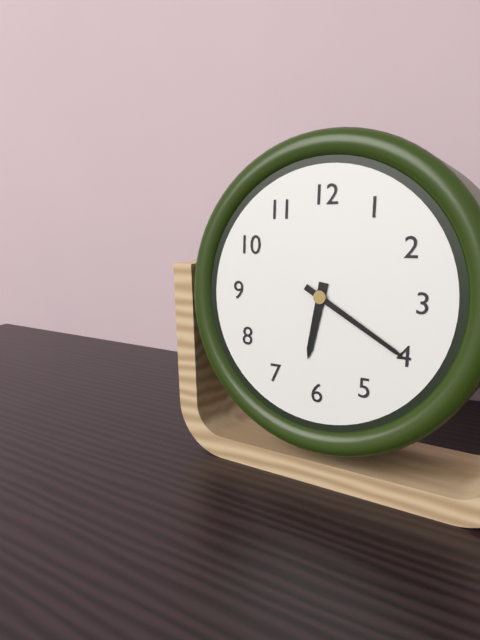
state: 6:20
